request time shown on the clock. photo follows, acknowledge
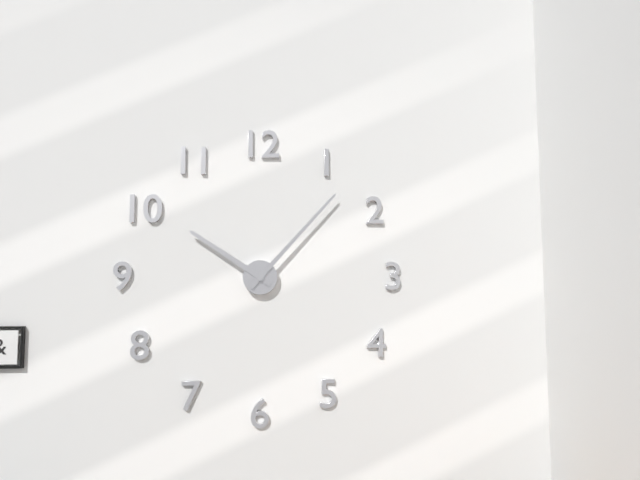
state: 10:07
